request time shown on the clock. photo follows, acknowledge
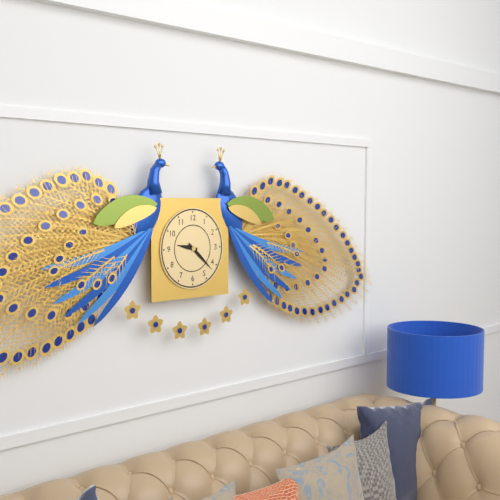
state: 9:22
